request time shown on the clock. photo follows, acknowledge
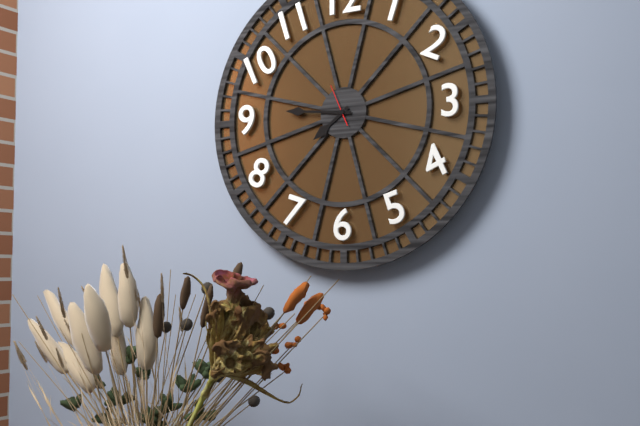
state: 7:46
